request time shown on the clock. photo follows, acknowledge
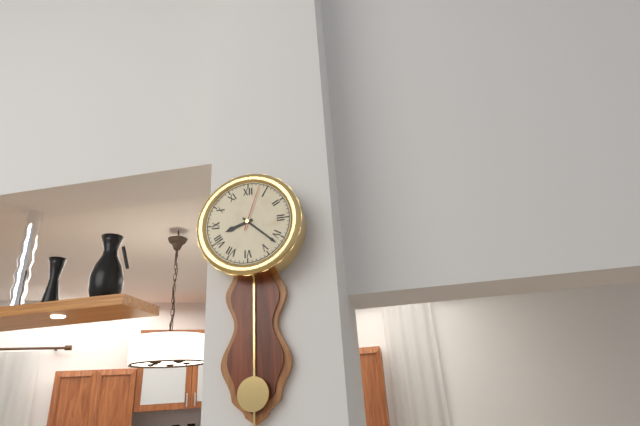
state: 8:22
